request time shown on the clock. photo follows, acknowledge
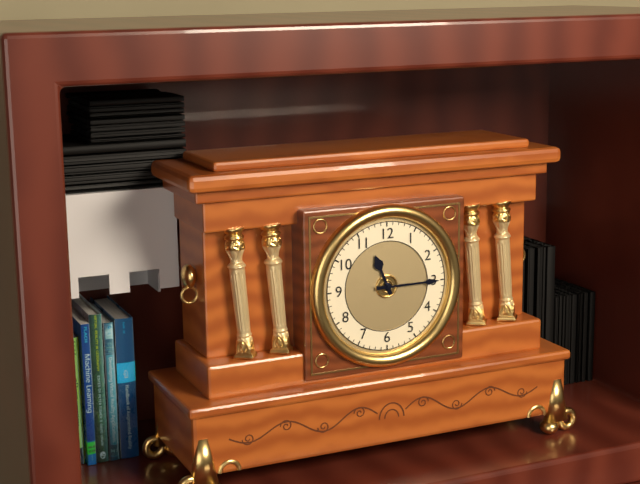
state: 11:15
